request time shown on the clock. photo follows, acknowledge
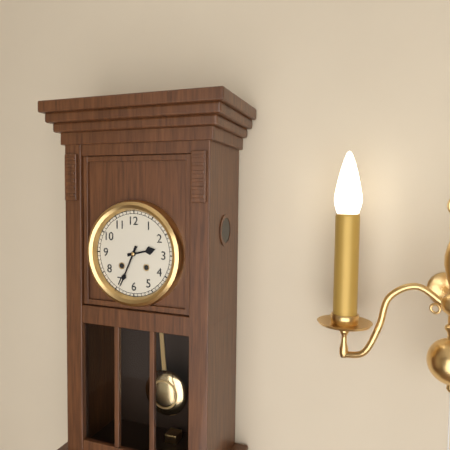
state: 2:34
